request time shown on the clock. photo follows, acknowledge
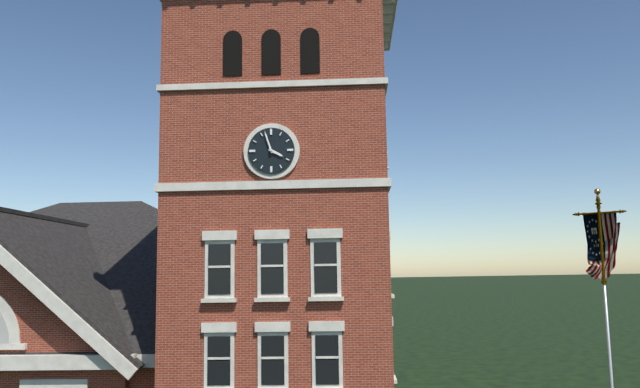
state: 3:57
